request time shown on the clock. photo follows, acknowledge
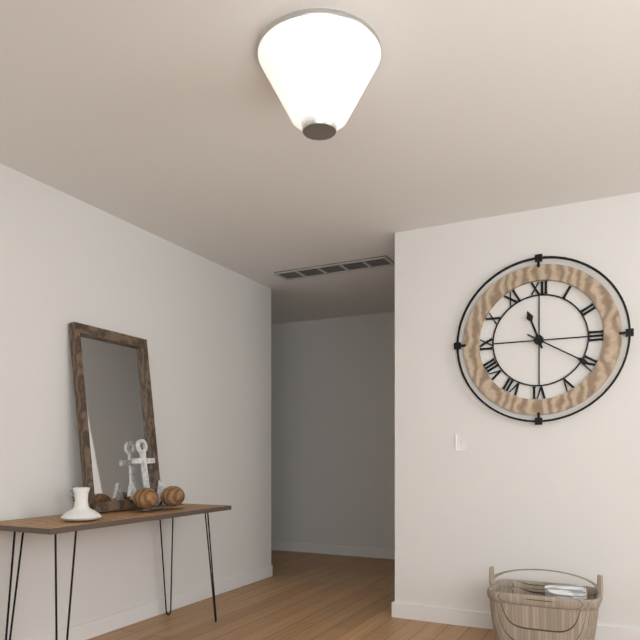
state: 11:20
